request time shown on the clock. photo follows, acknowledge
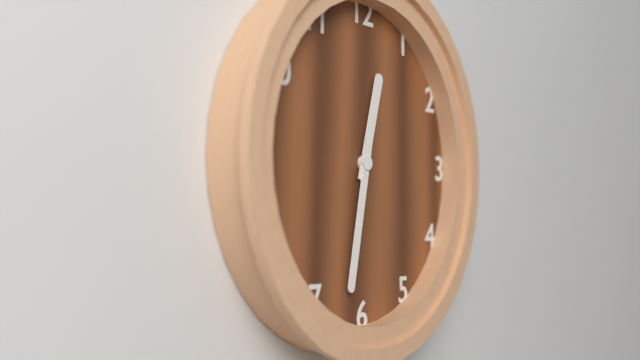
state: 12:32
